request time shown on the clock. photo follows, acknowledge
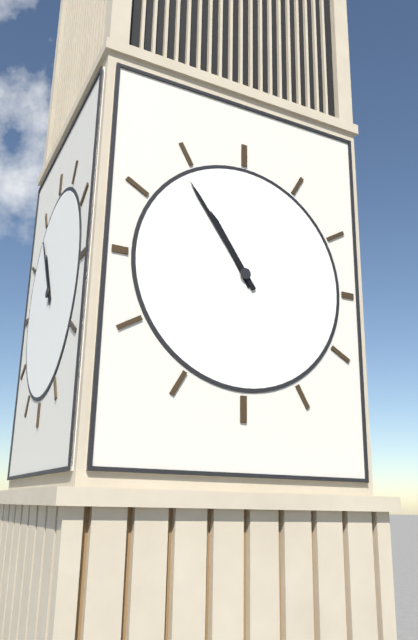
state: 10:54
